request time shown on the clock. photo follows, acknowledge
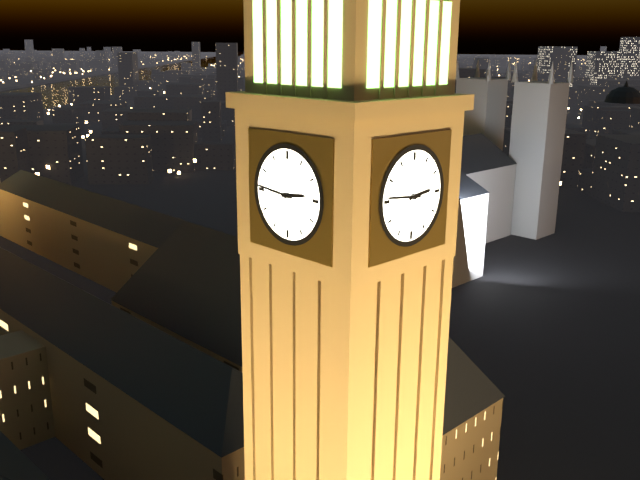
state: 2:46
